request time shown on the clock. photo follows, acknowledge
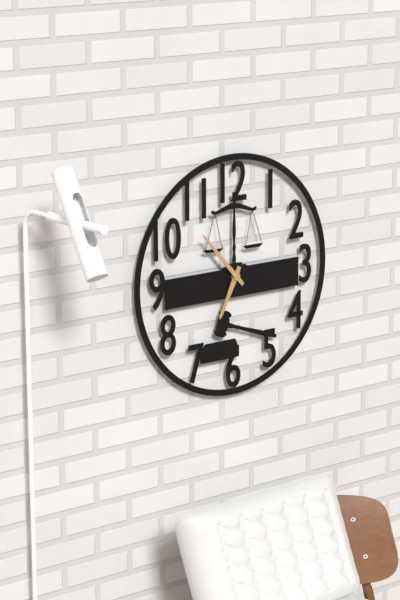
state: 6:53
